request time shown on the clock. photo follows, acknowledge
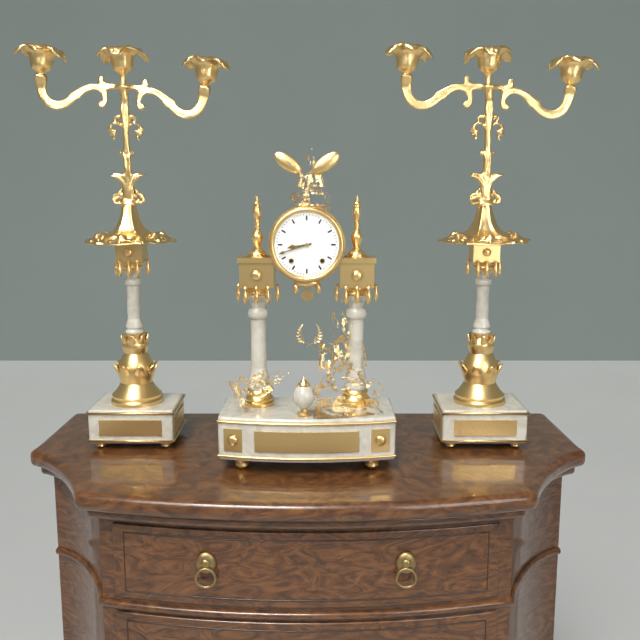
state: 8:42
